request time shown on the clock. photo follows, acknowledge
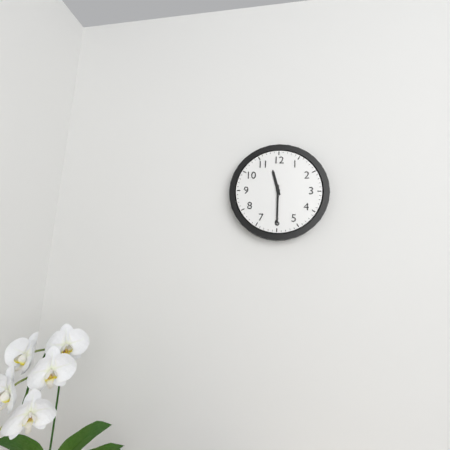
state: 11:30
